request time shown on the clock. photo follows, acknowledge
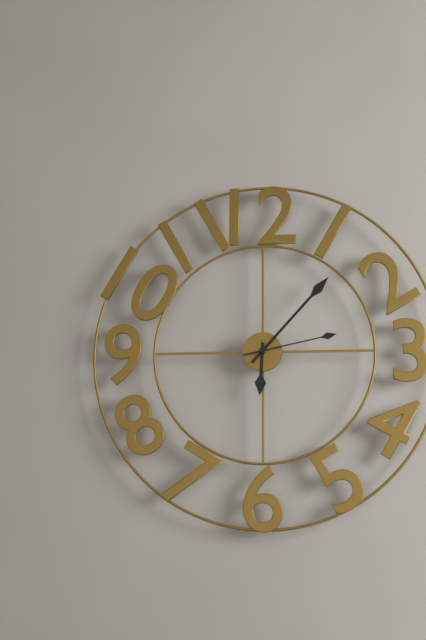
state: 6:07:13
